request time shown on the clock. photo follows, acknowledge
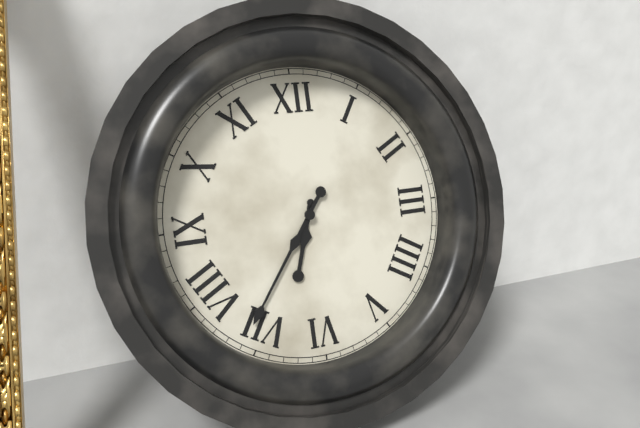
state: 6:36
